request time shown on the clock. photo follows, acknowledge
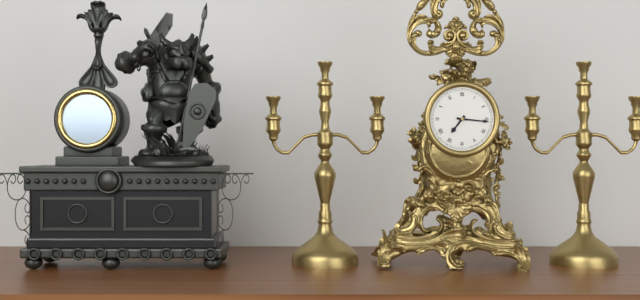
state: 7:16
